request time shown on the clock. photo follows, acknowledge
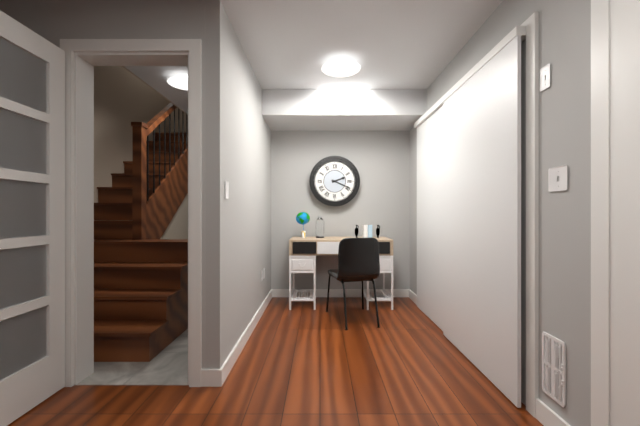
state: 2:19
